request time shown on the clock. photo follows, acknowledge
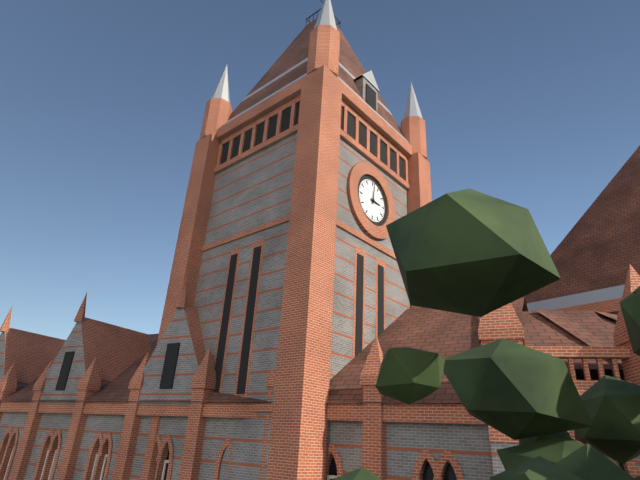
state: 3:01
